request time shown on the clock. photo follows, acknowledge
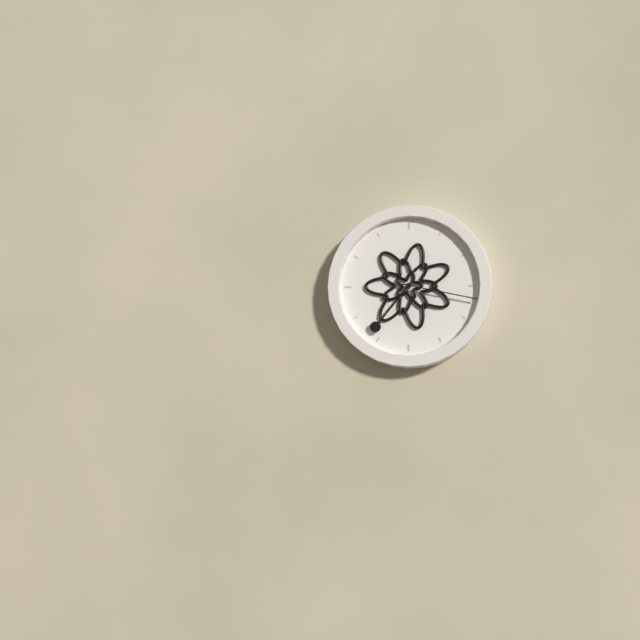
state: 7:17
